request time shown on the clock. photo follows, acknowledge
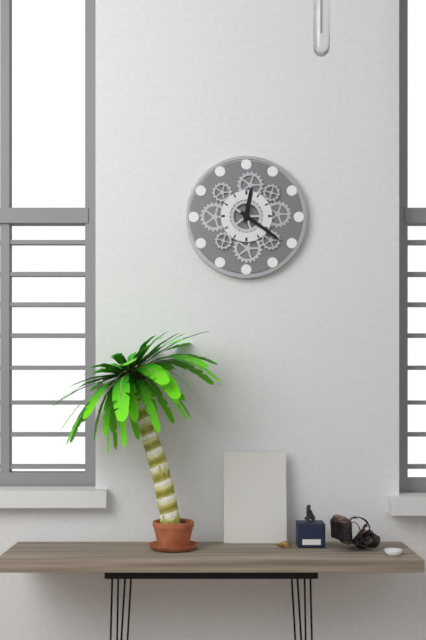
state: 12:21
